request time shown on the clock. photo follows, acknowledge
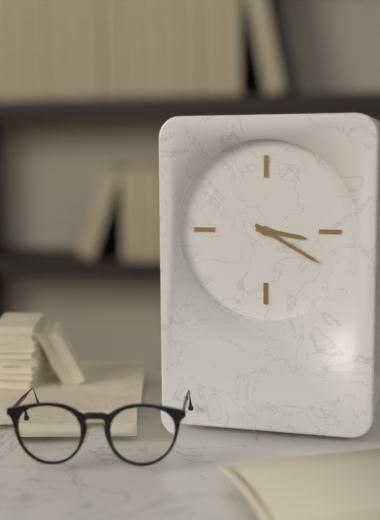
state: 3:20
